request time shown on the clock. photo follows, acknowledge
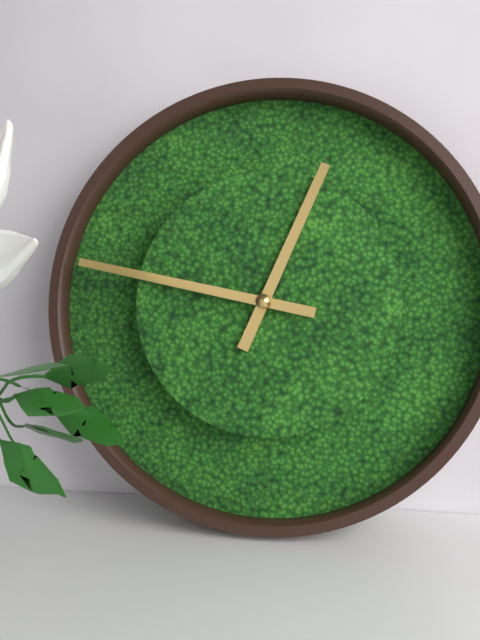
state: 12:47
